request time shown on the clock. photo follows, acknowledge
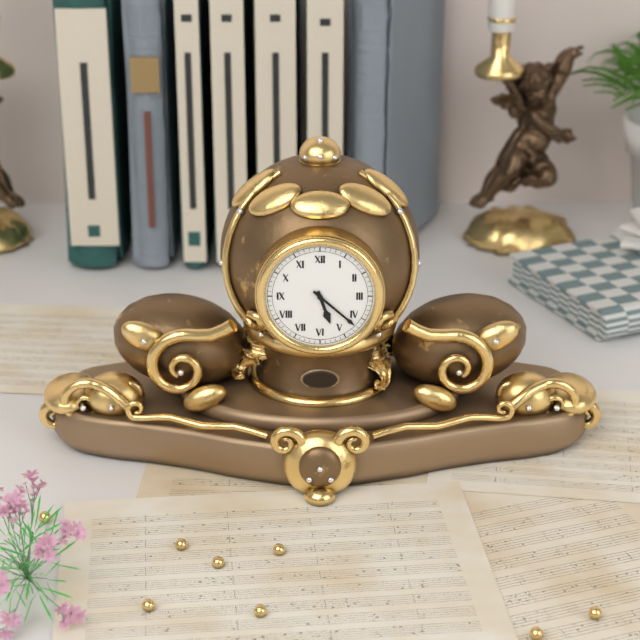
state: 5:22
